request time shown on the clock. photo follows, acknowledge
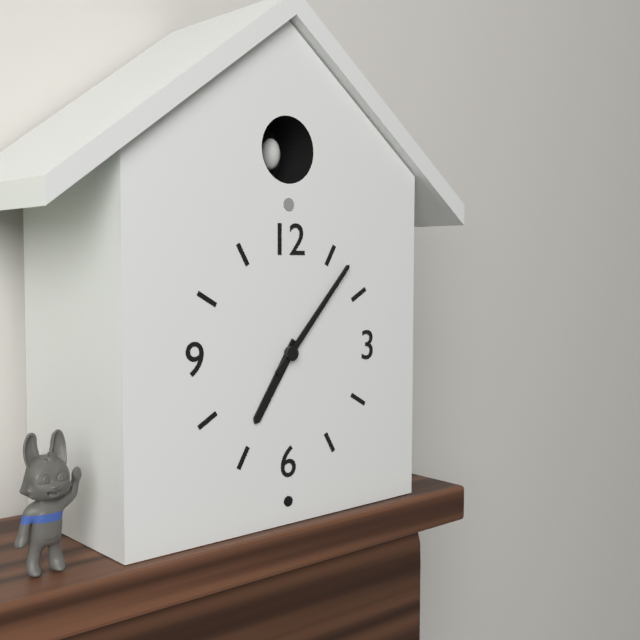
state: 7:07
